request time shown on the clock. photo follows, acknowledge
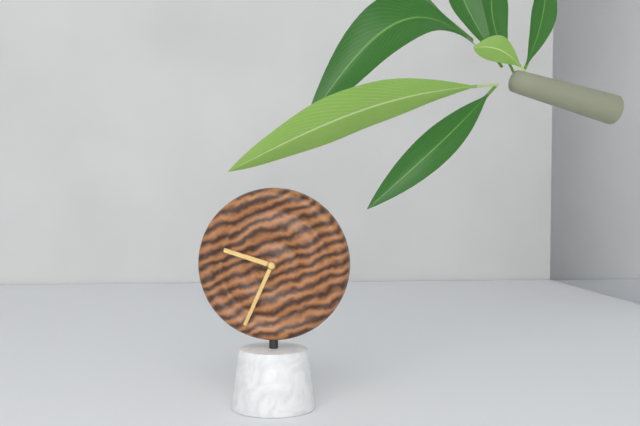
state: 9:34
